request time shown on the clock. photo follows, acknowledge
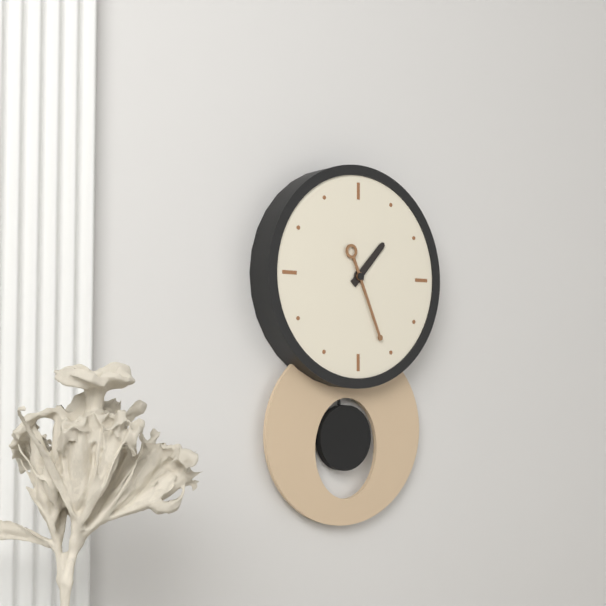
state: 1:26
